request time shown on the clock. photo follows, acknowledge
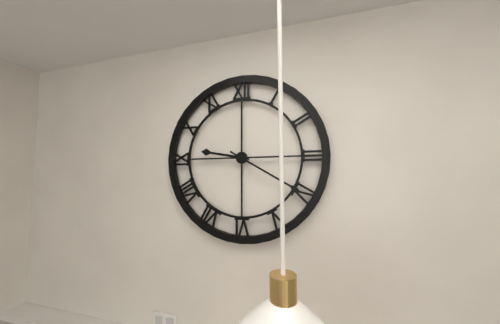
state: 9:20
